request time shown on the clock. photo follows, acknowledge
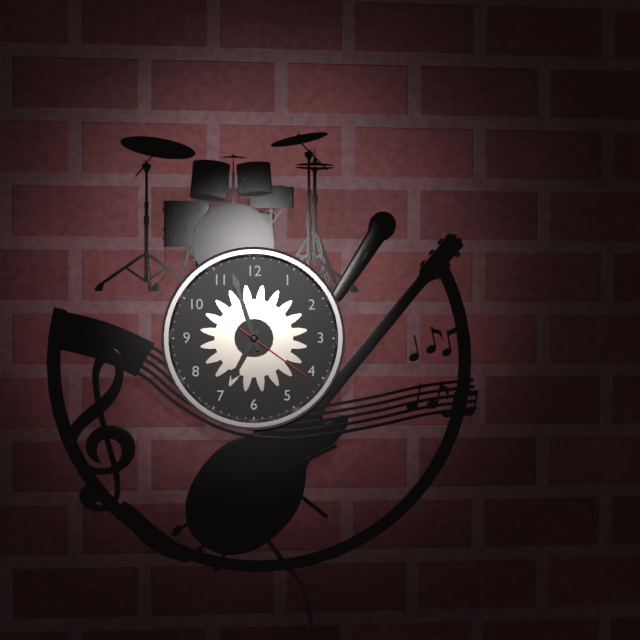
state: 6:57:21
